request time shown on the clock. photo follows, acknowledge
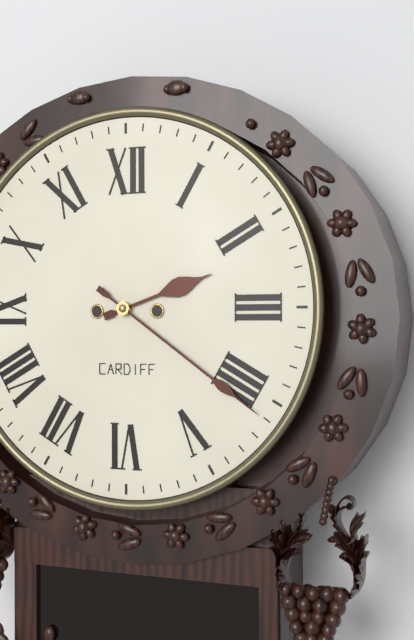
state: 2:21
